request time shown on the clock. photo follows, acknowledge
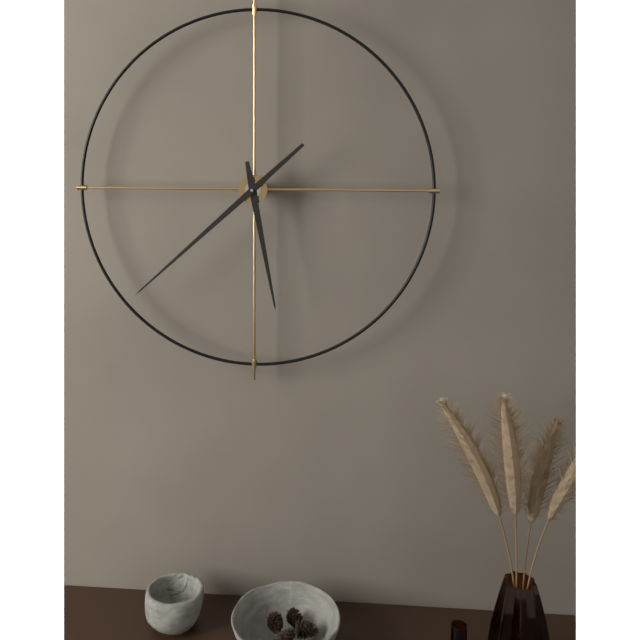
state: 5:38
